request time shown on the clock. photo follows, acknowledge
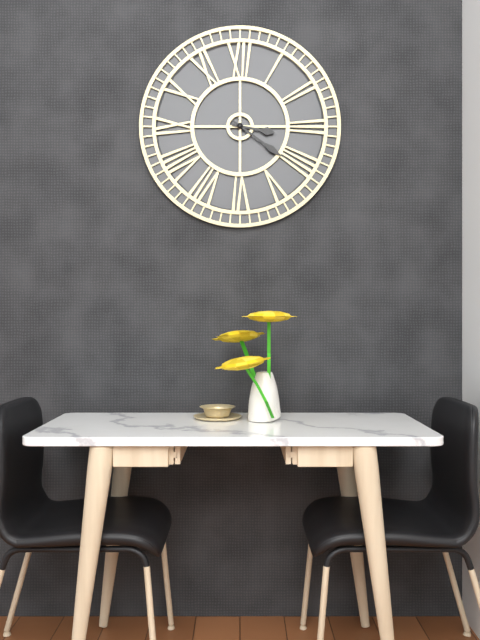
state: 3:21
